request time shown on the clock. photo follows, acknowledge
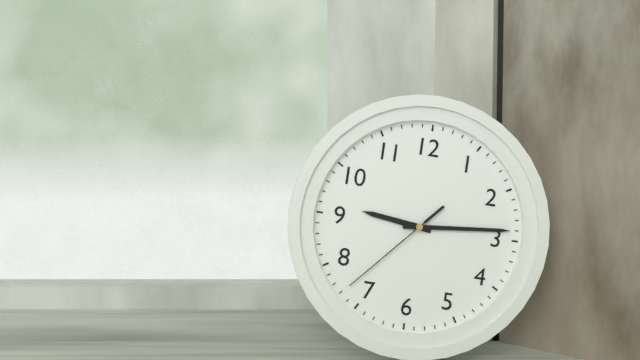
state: 9:14:37
